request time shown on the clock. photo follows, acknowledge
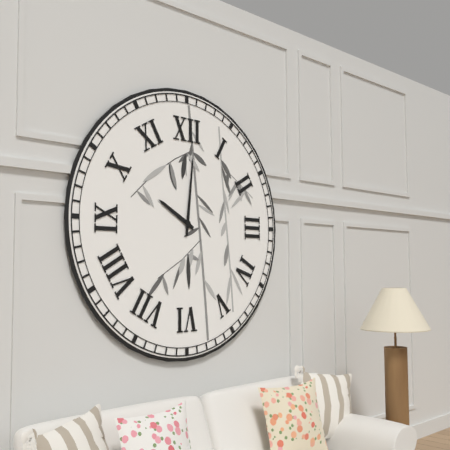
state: 10:01
